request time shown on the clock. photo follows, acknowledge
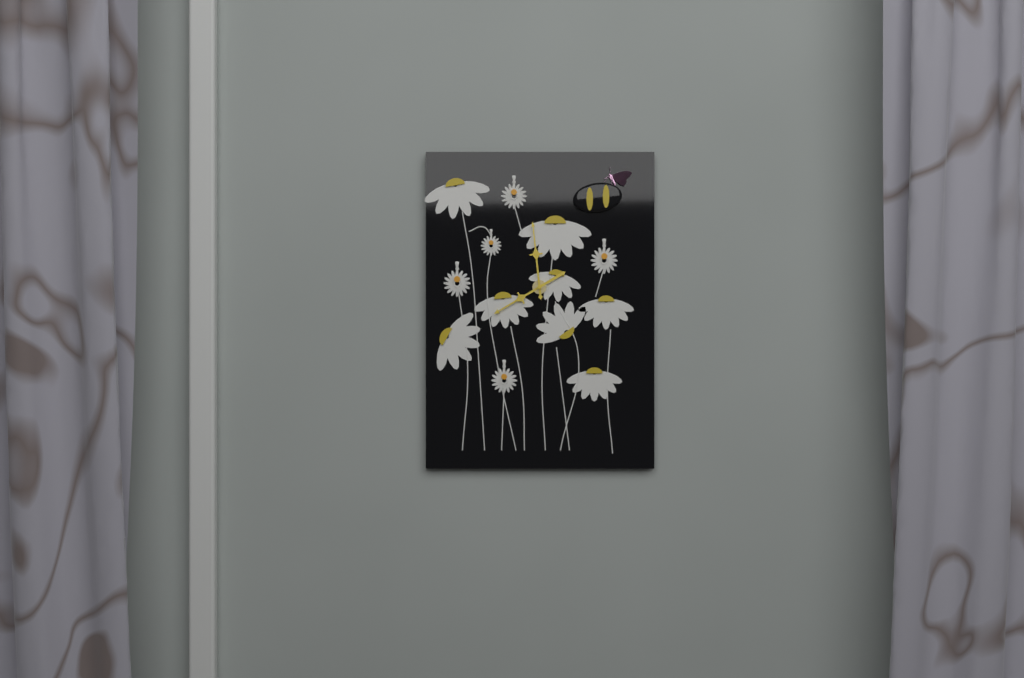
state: 7:59
